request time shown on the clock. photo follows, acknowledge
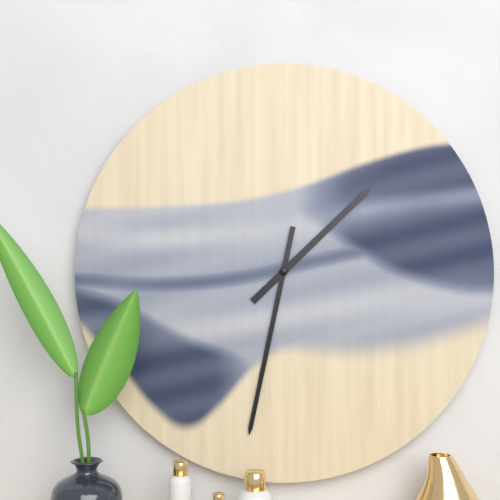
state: 1:32
